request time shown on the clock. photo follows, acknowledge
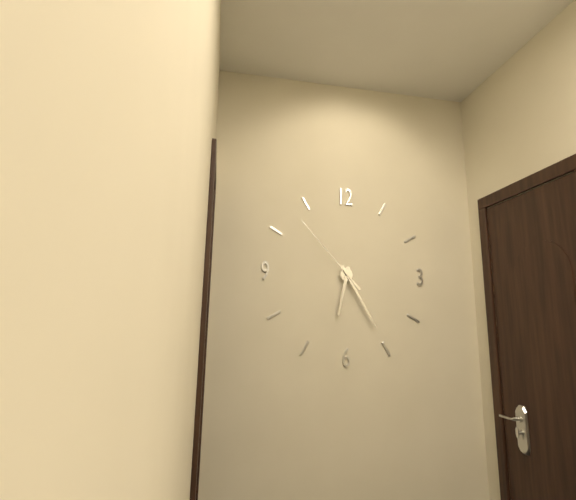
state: 6:25:53
